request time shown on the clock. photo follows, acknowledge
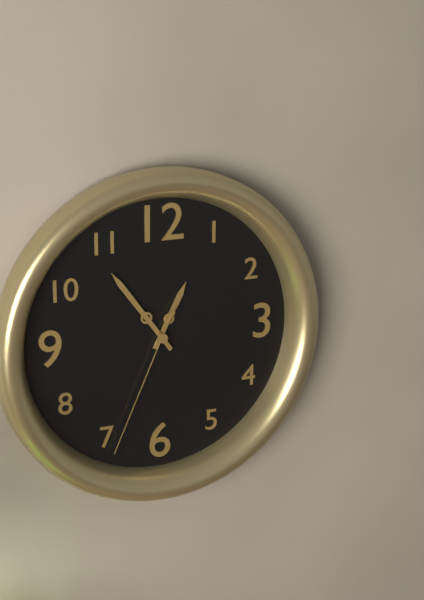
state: 12:54:34
